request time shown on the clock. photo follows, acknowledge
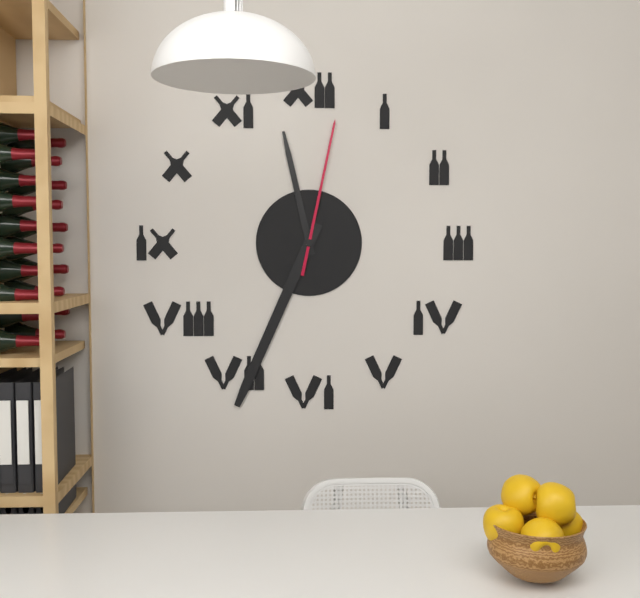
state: 11:34:02
